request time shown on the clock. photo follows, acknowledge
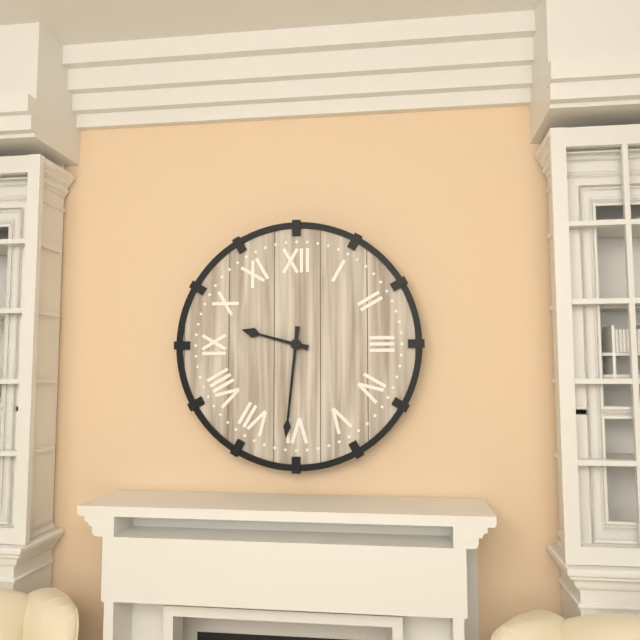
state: 9:31
